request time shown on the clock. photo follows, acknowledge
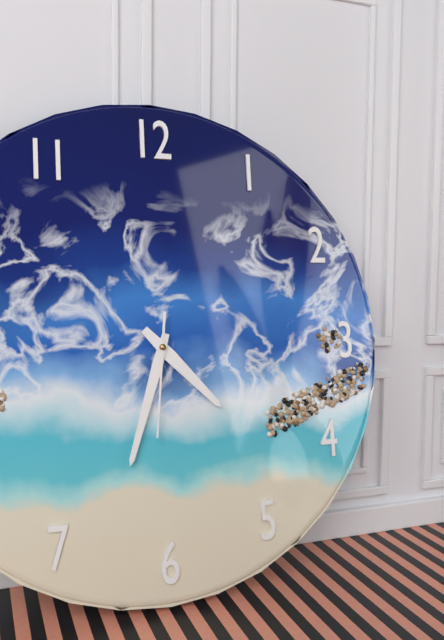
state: 4:33:31
